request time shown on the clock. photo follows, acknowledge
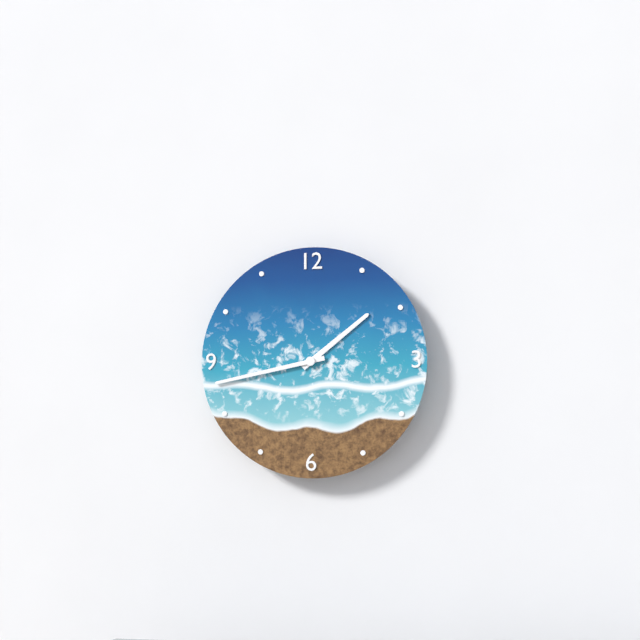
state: 1:43
